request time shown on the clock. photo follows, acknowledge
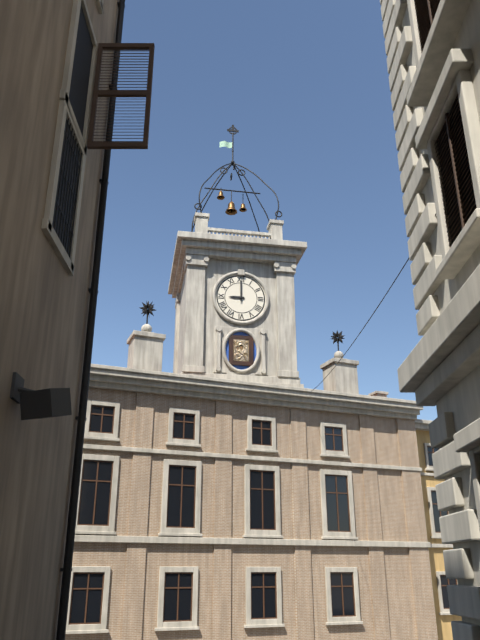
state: 9:00
